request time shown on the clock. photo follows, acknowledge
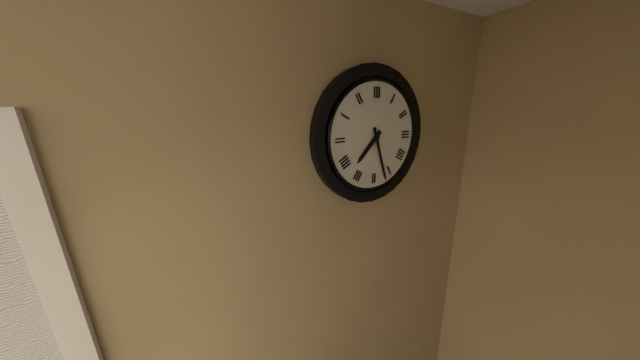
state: 7:27
